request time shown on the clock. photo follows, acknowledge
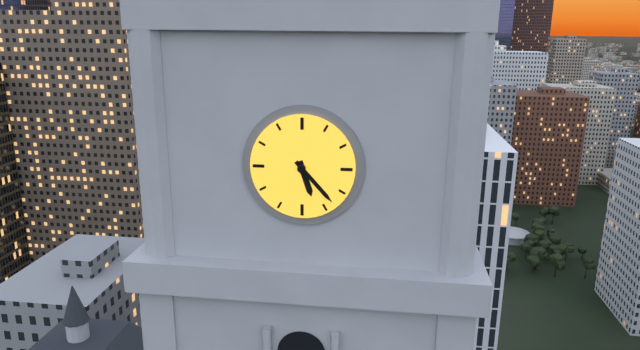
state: 5:23
